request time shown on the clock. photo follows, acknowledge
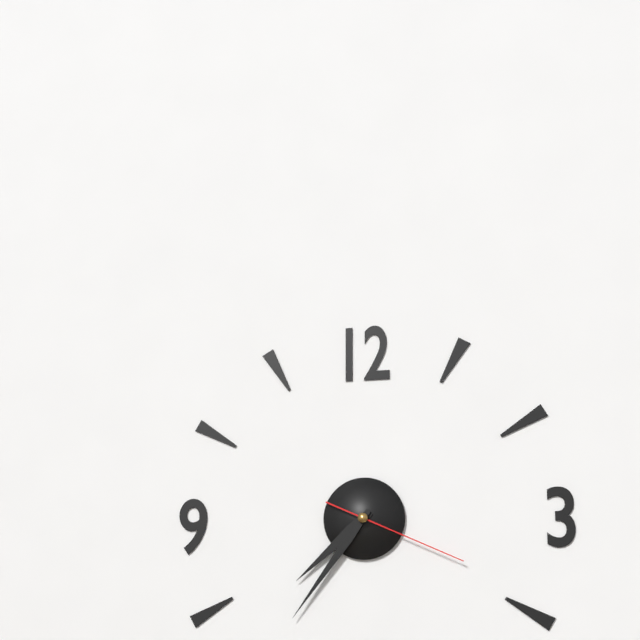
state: 7:36:19
